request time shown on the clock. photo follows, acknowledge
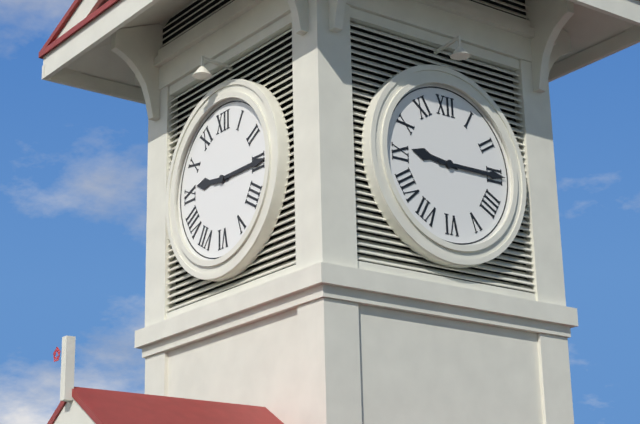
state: 9:15
